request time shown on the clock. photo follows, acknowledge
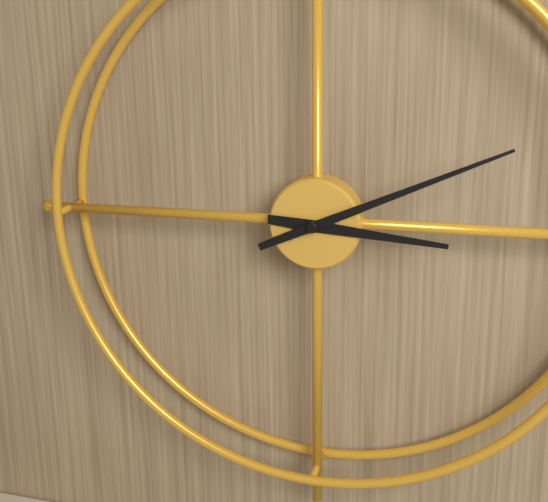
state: 3:11
